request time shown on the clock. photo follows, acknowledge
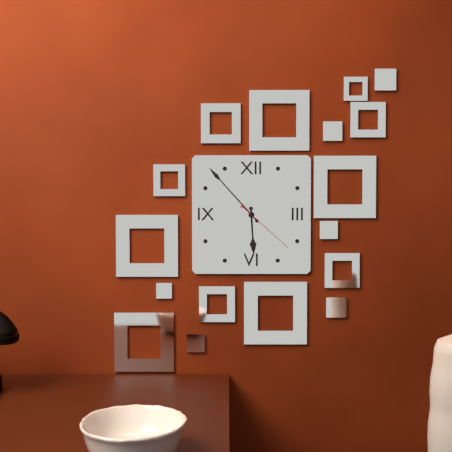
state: 5:53:22
